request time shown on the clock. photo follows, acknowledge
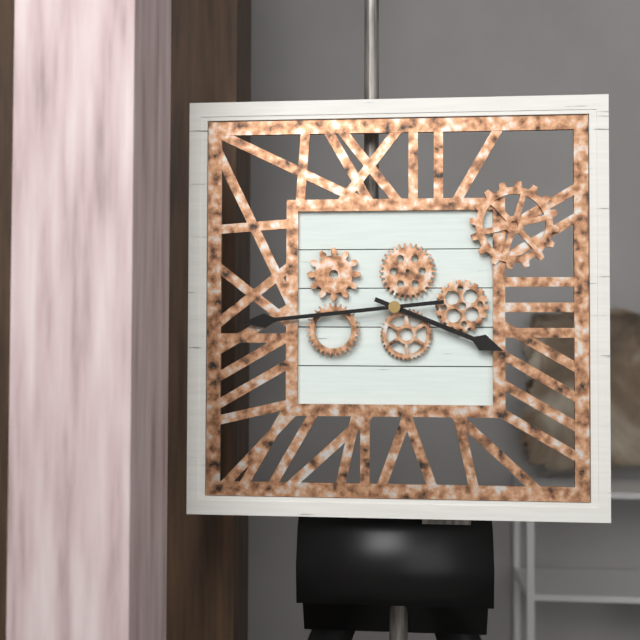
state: 3:44
